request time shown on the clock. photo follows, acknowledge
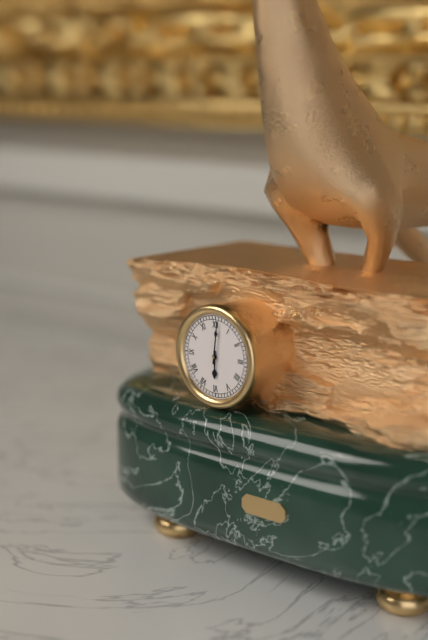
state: 6:01
